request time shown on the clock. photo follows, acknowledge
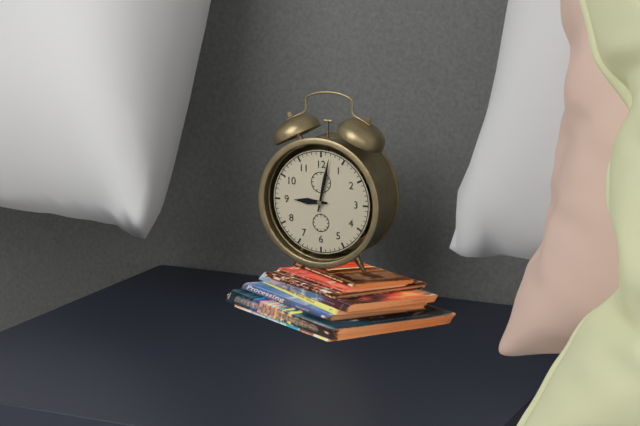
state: 9:02
